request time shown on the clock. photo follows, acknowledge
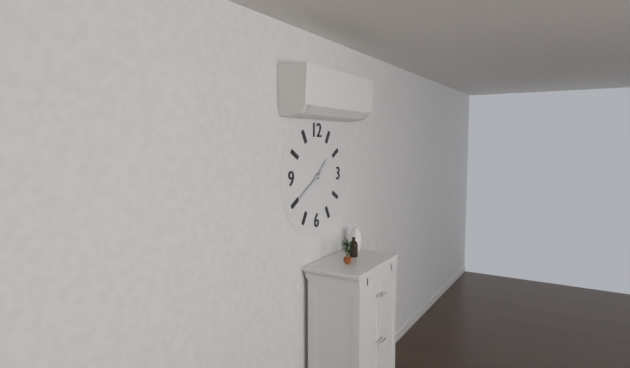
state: 1:40
